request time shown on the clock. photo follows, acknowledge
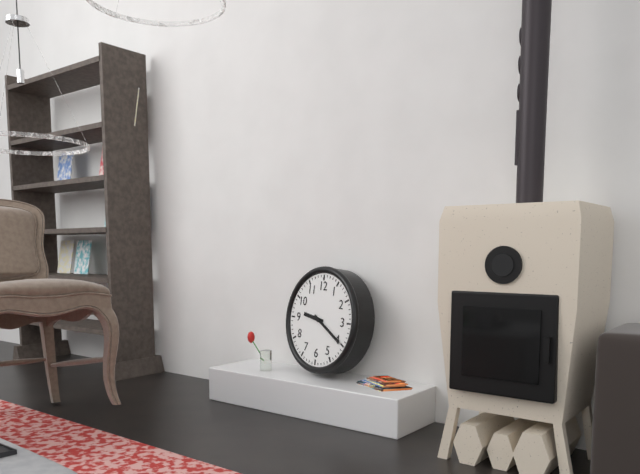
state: 9:20
